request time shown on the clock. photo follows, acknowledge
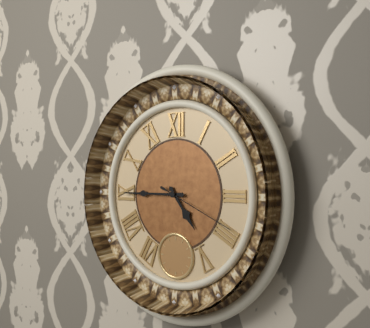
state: 4:45:19
